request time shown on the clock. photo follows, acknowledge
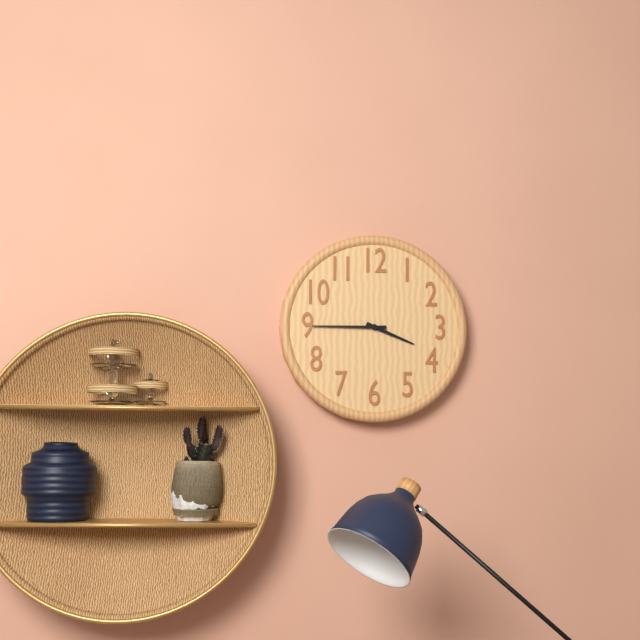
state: 3:45
